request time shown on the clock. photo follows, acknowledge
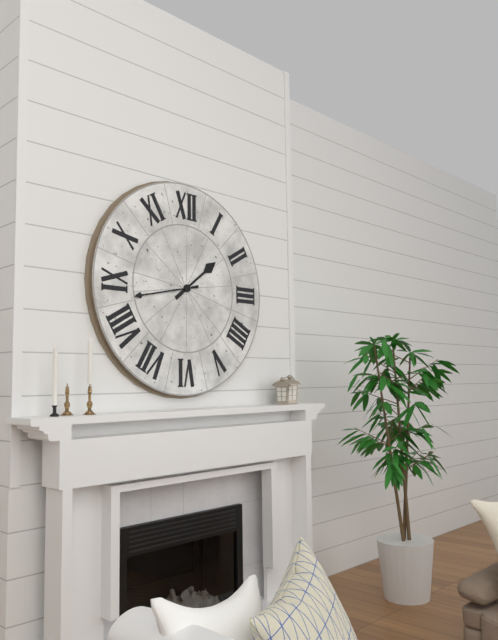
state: 1:43
